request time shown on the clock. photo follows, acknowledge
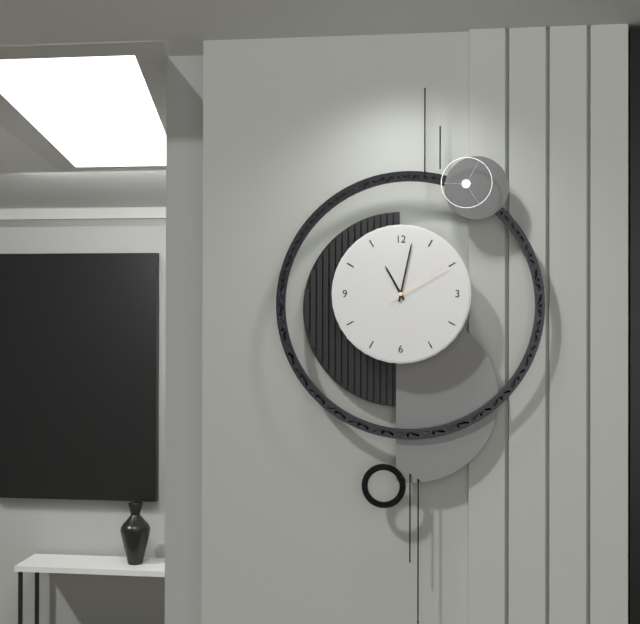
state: 11:02:10
